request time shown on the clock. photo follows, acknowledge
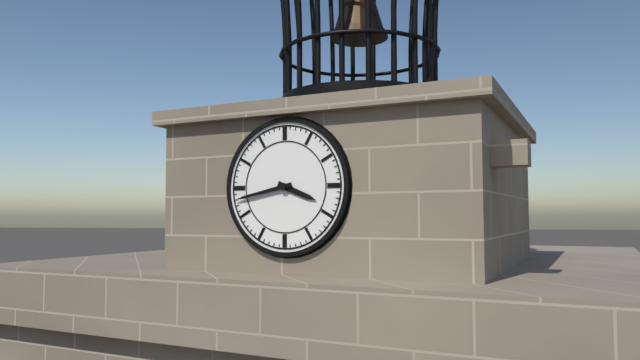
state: 3:43
